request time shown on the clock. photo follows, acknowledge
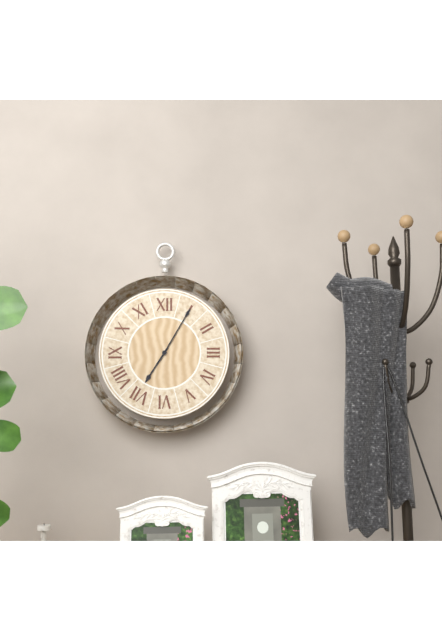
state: 7:05
